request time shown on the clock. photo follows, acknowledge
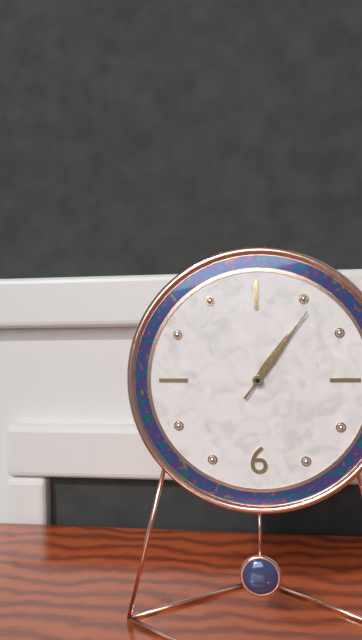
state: 1:06:06
